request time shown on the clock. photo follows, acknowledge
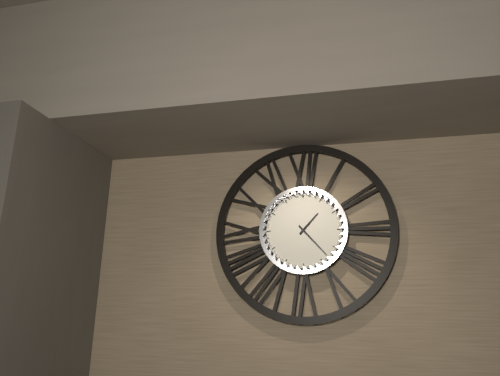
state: 1:23
